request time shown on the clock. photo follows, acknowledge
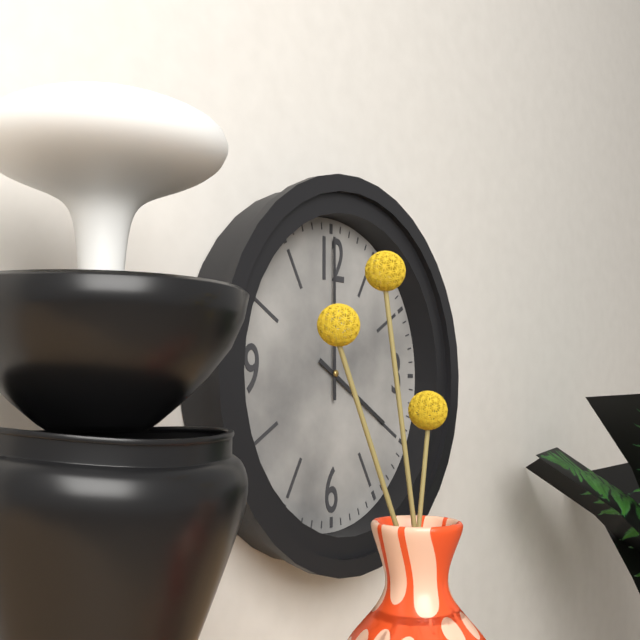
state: 4:00
